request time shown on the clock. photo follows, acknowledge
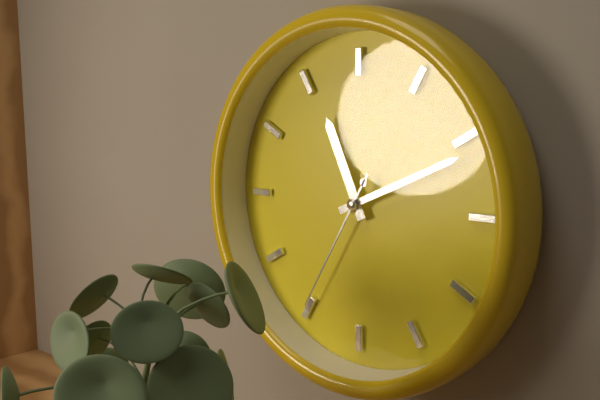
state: 11:11:35
